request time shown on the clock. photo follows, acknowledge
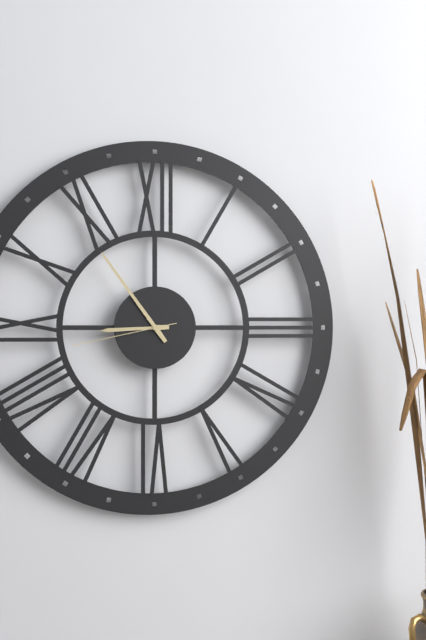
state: 8:54:43
